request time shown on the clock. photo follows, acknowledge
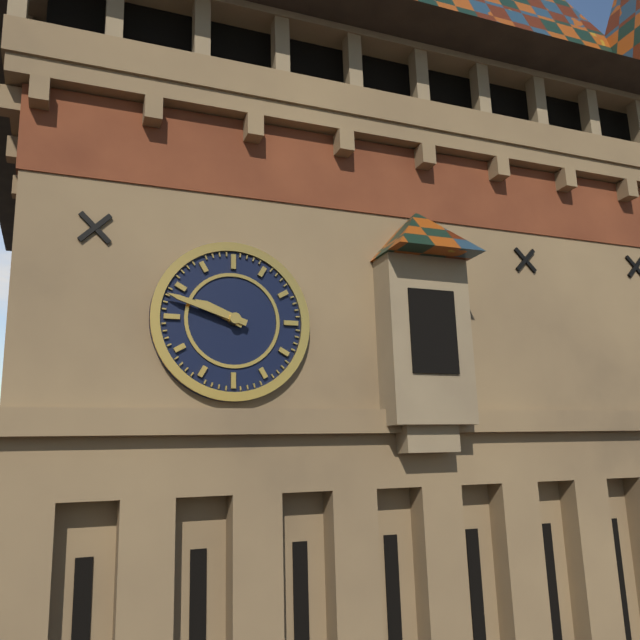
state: 9:48
